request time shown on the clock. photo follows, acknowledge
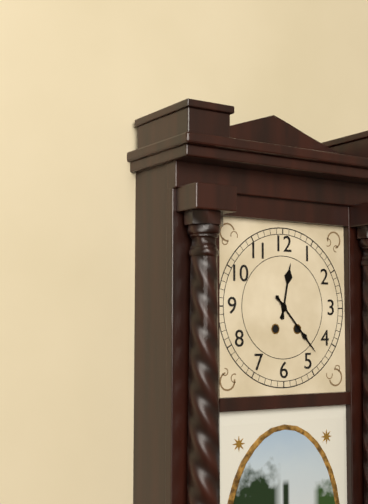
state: 12:23
